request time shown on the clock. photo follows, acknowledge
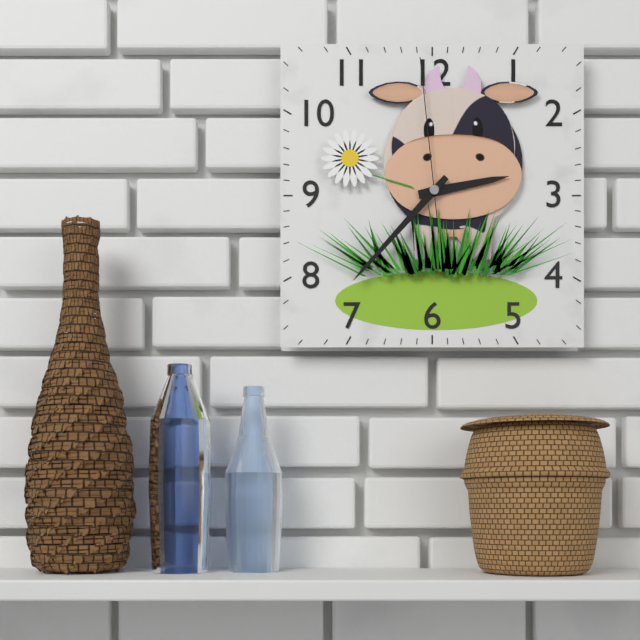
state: 2:37:59
